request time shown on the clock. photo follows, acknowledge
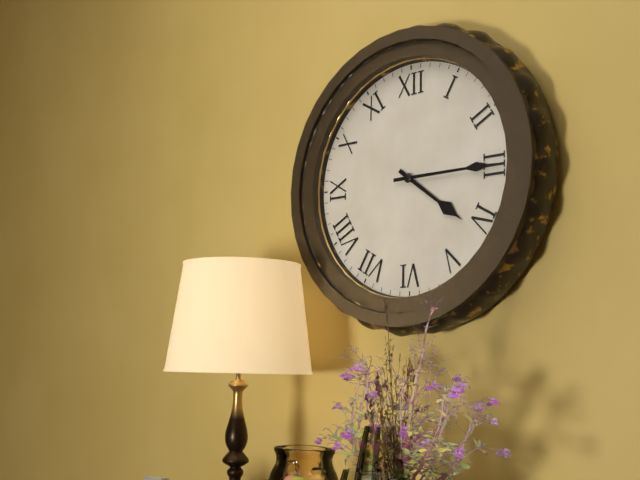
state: 4:15
